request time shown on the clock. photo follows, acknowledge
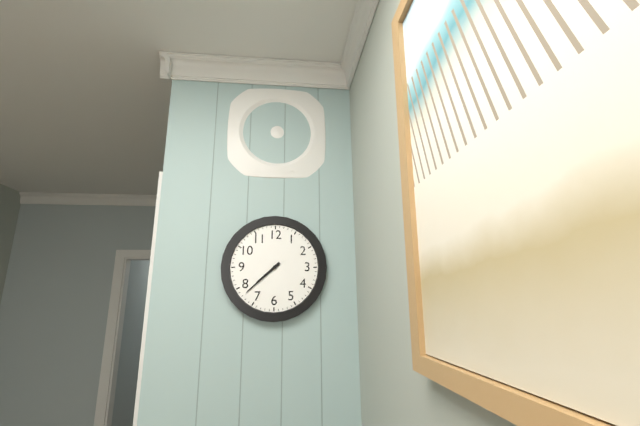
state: 7:38
